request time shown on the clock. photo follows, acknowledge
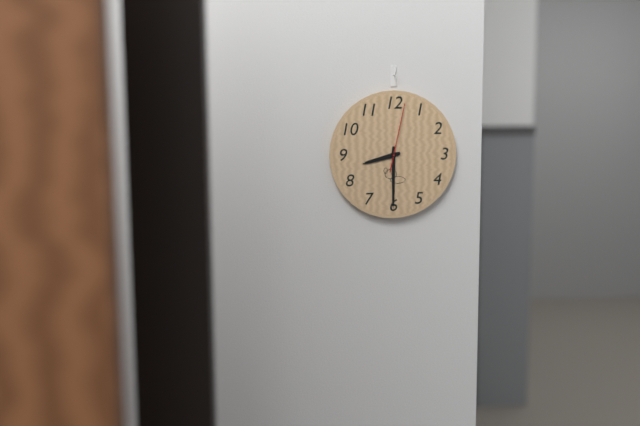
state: 8:30:02
